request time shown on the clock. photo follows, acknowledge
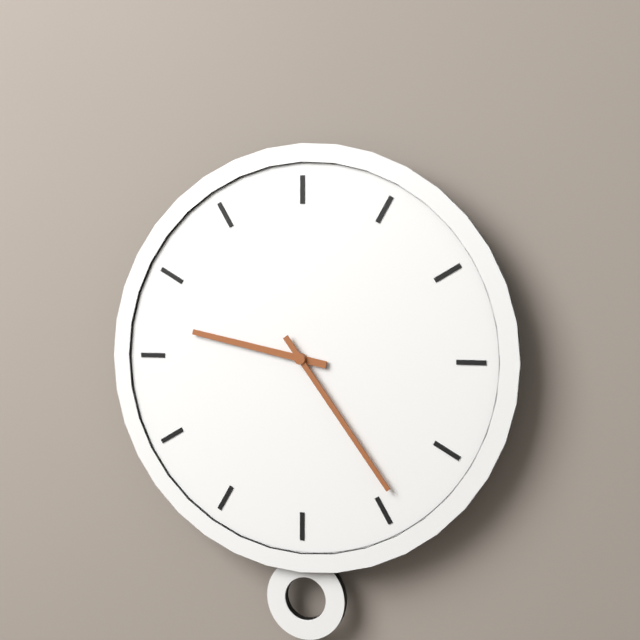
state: 9:24
